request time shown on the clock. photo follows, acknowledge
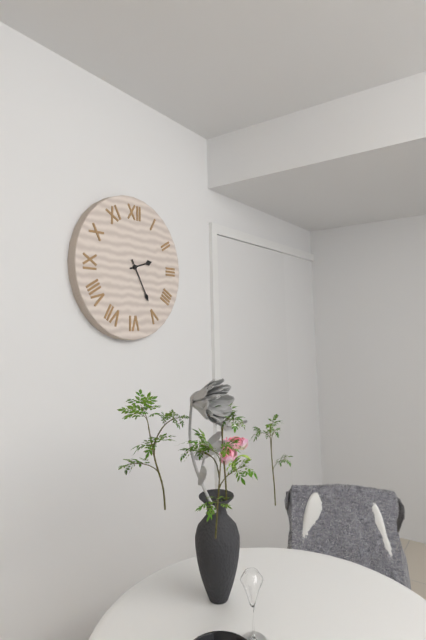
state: 2:25
